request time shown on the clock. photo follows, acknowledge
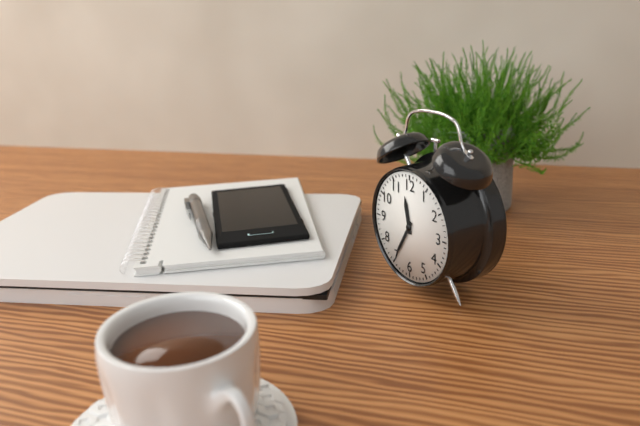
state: 11:35
